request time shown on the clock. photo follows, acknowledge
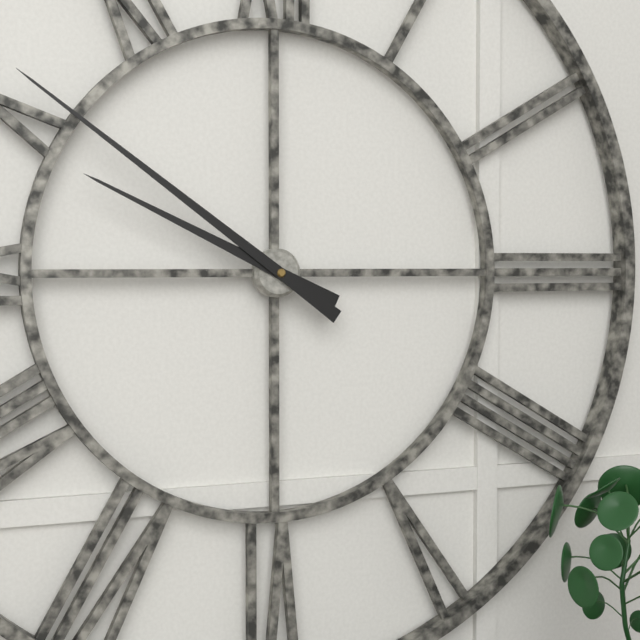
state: 9:51
